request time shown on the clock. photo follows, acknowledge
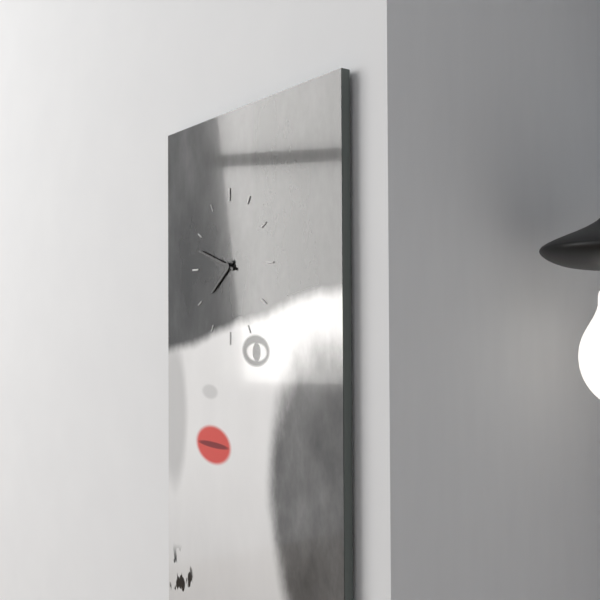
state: 7:48
